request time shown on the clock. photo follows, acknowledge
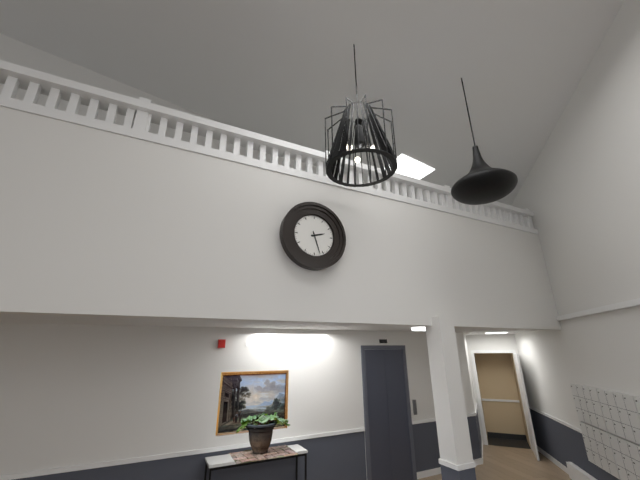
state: 2:27
